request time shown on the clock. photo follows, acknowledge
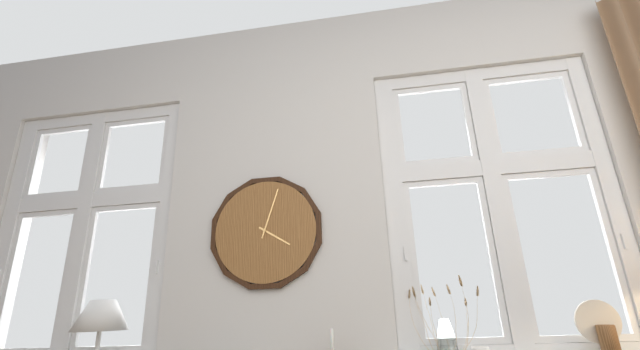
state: 4:03
